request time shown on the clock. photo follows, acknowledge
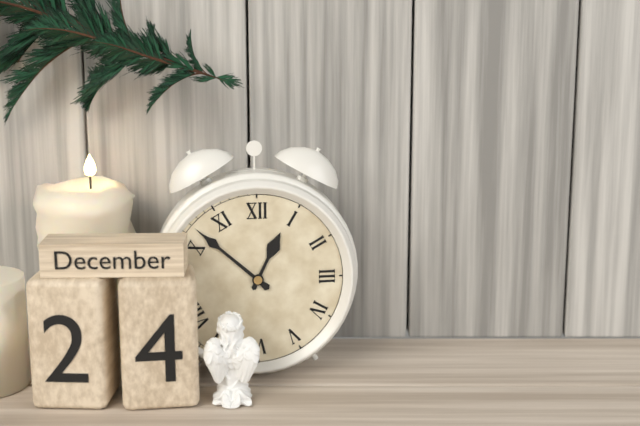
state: 12:52
